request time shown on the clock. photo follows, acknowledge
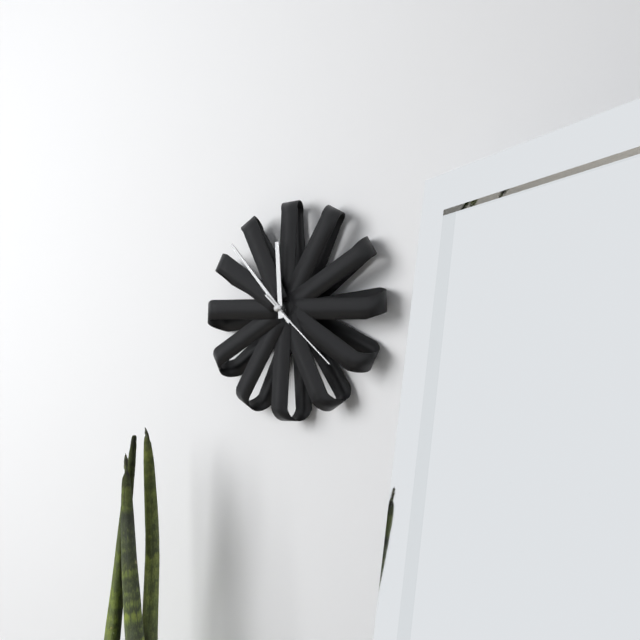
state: 11:53:22
